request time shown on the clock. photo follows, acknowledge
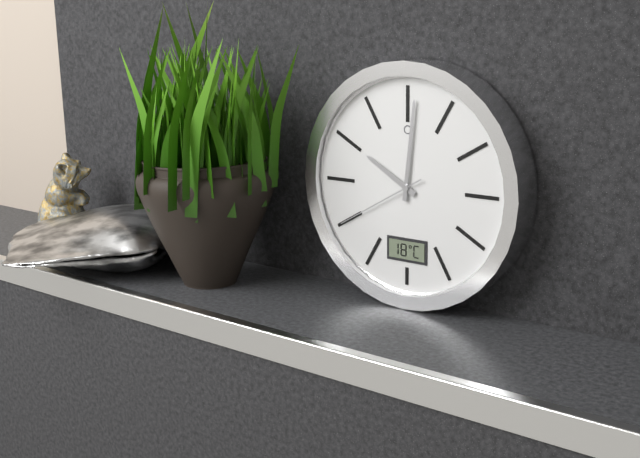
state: 10:01:40
